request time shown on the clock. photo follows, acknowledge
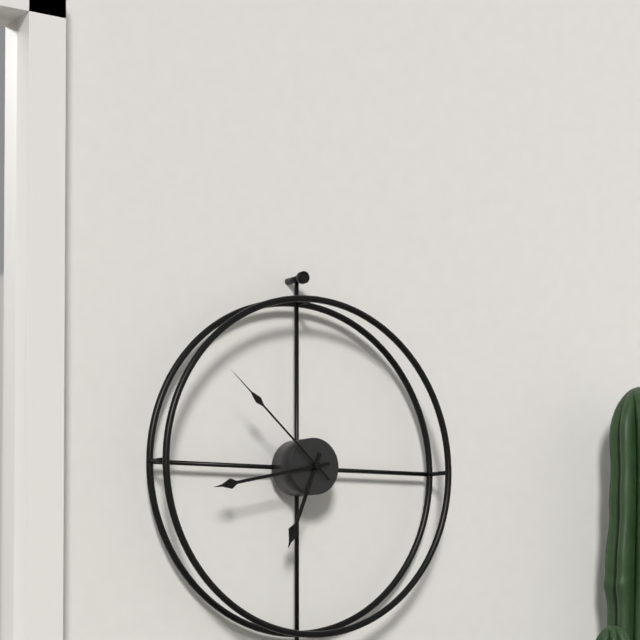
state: 6:43:52
